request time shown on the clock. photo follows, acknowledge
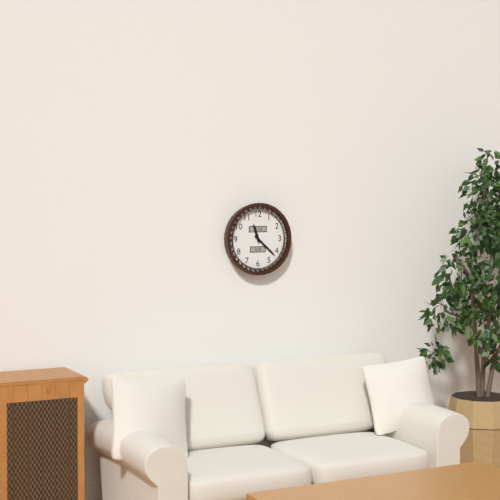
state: 11:22
